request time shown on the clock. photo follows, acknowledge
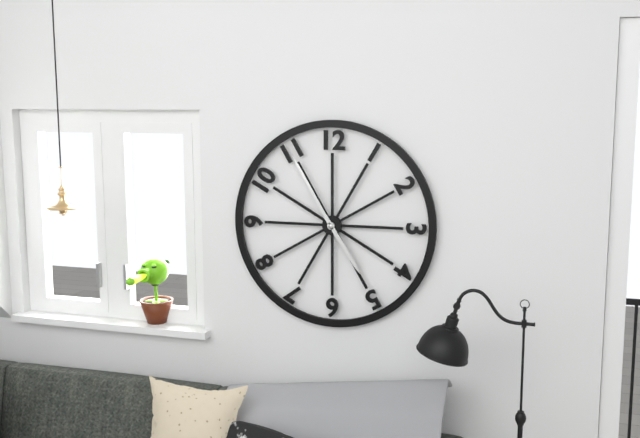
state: 4:55
